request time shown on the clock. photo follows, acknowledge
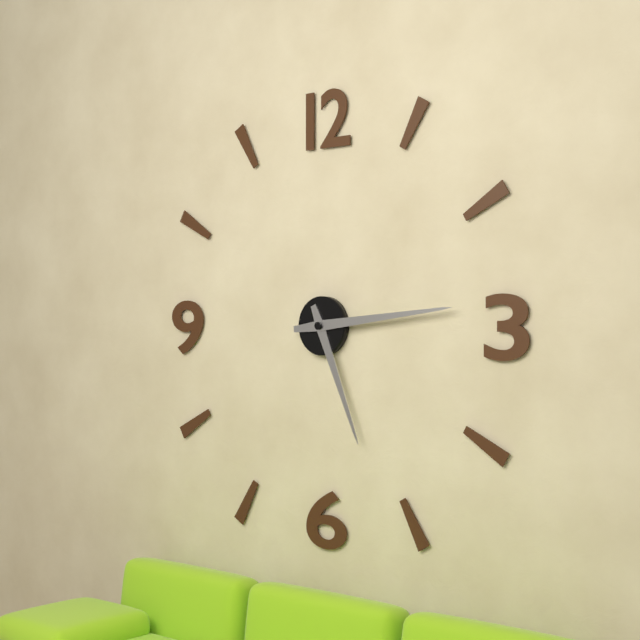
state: 5:14
